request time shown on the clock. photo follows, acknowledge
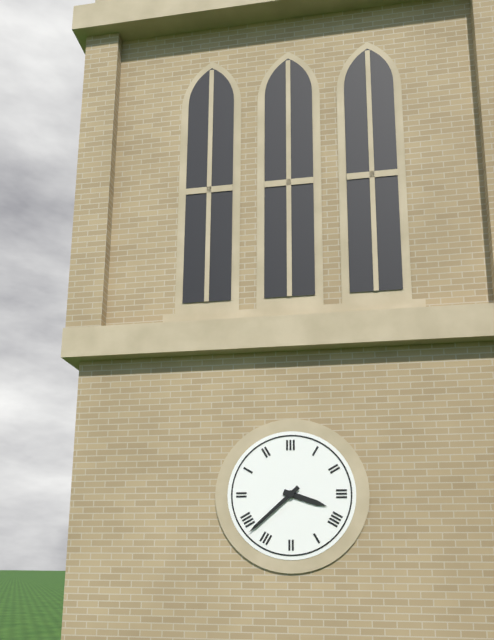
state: 3:38
